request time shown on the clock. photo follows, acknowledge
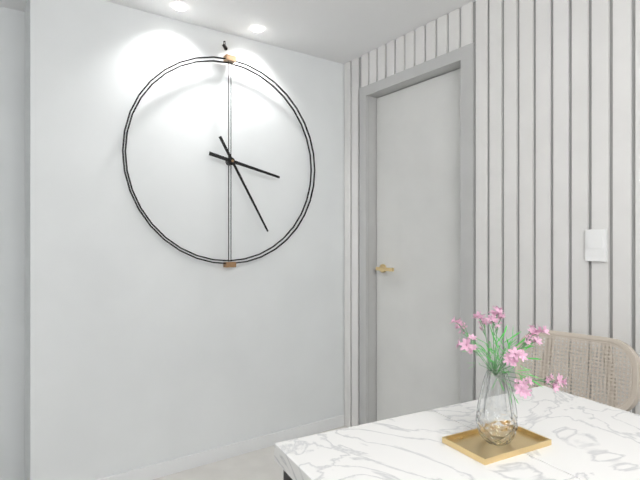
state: 3:25
